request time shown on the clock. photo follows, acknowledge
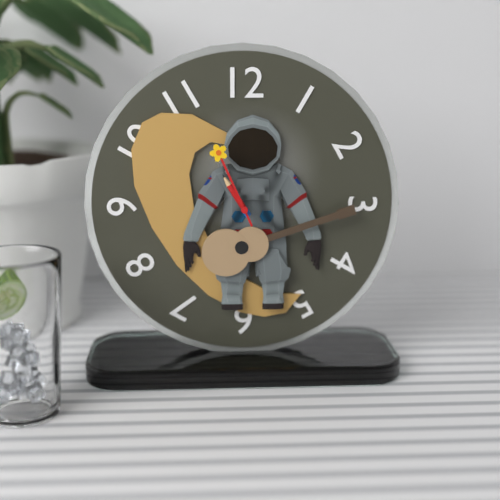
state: 10:56
